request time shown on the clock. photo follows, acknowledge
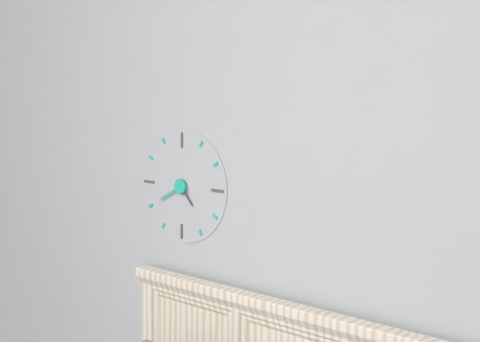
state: 4:40
